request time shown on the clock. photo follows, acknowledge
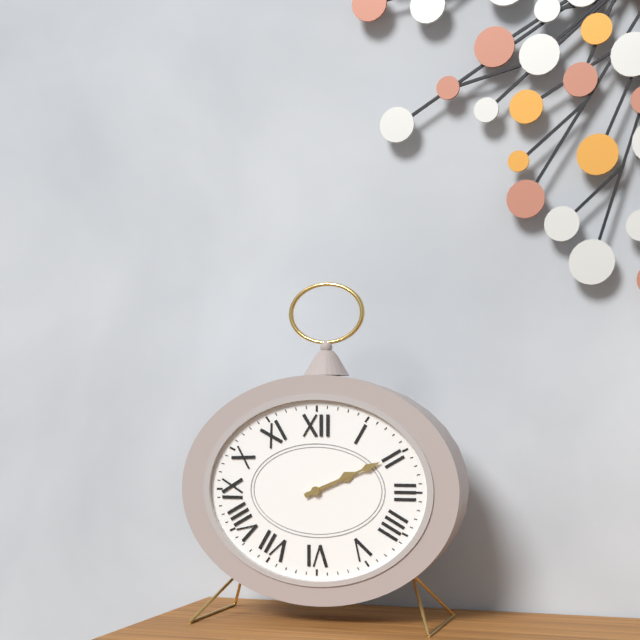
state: 2:11
